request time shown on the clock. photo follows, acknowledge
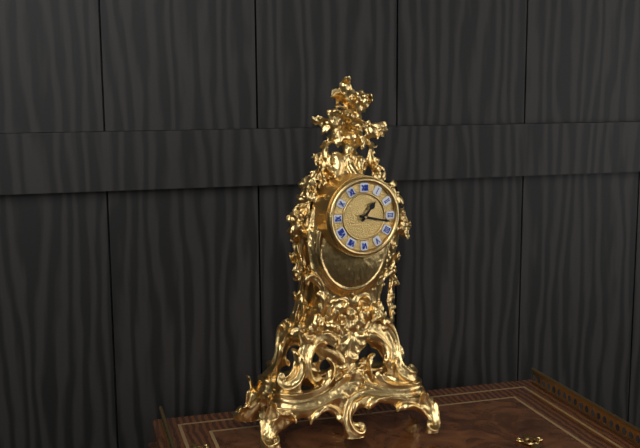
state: 1:17
